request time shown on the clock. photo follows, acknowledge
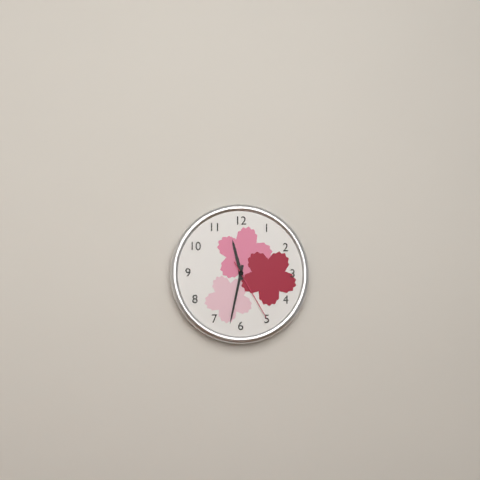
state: 11:32:25
